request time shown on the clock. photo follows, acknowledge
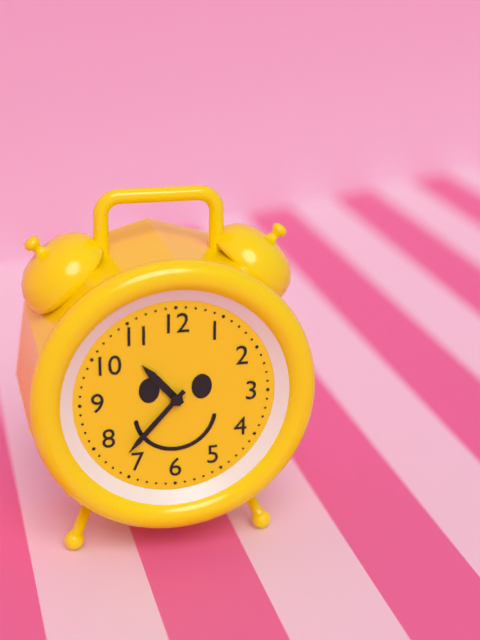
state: 10:37
